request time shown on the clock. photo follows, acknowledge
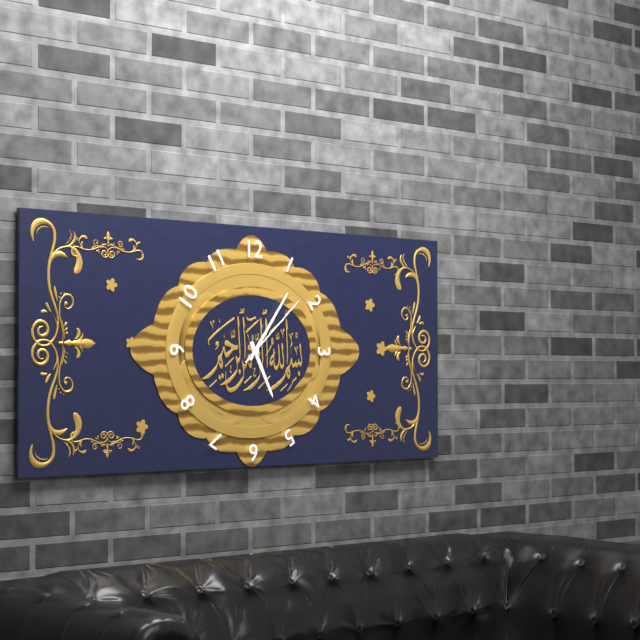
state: 5:06:08
